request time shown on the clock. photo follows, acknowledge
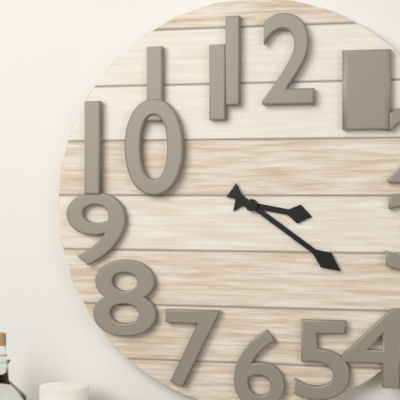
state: 3:21
